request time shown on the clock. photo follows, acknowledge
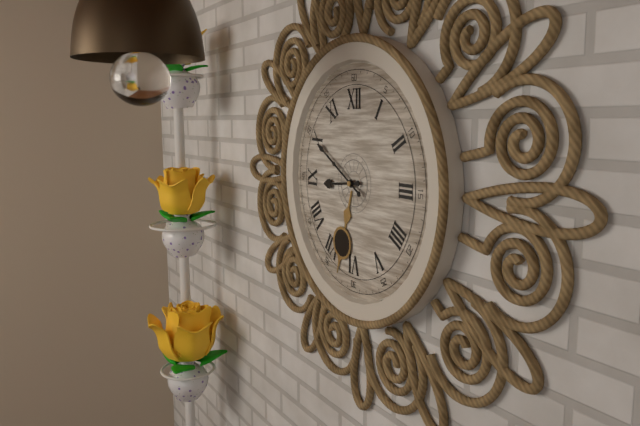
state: 8:50
